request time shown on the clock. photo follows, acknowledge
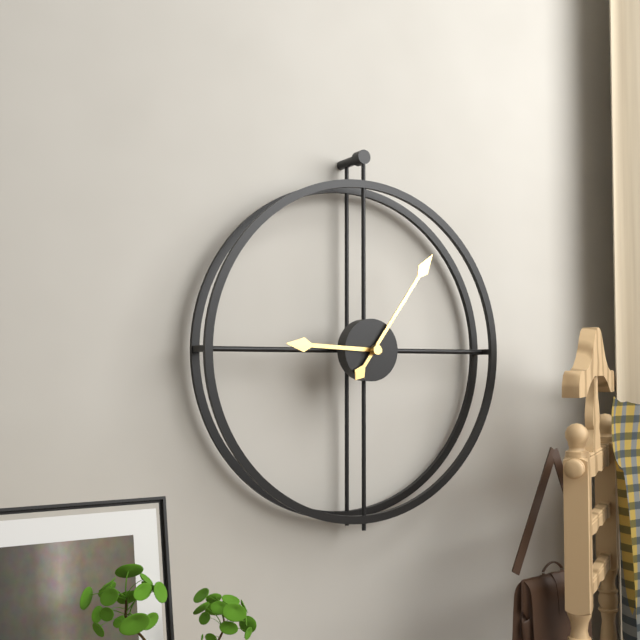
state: 9:06
